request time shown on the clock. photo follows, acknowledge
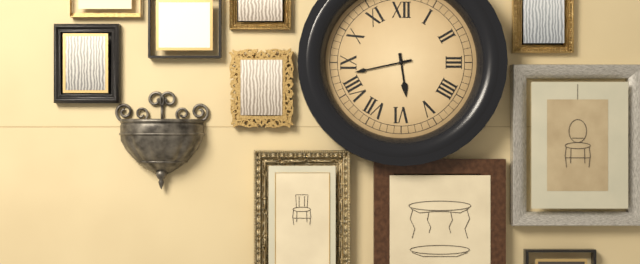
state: 5:43
